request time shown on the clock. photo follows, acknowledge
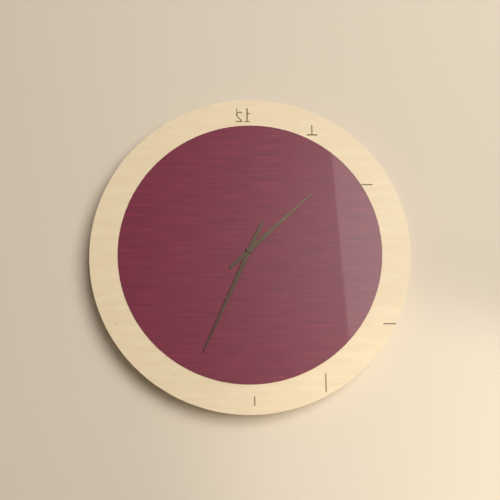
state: 1:34
